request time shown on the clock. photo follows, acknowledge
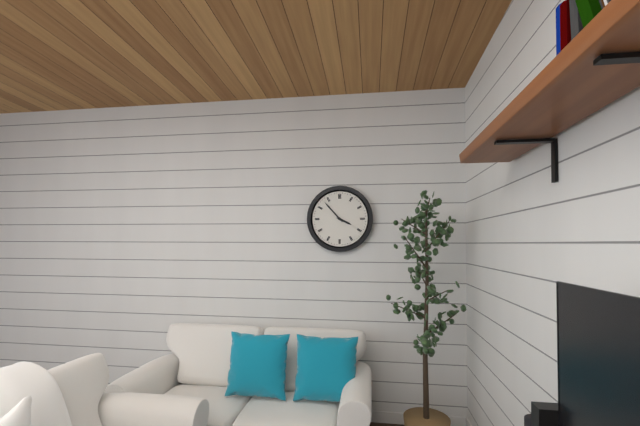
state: 3:53
